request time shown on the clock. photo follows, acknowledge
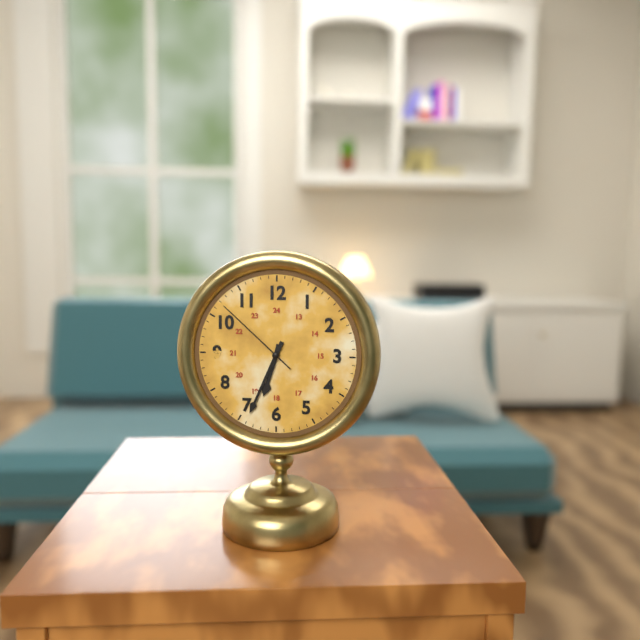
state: 6:34:52
